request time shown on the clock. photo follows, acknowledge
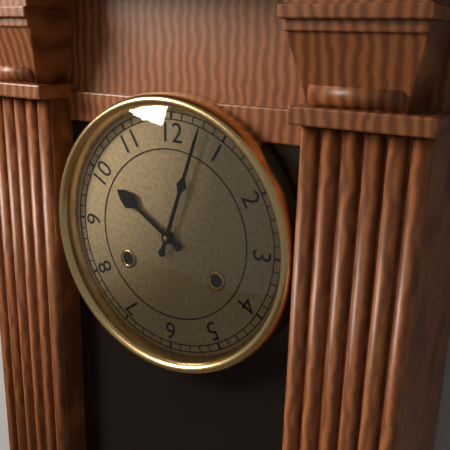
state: 10:03
